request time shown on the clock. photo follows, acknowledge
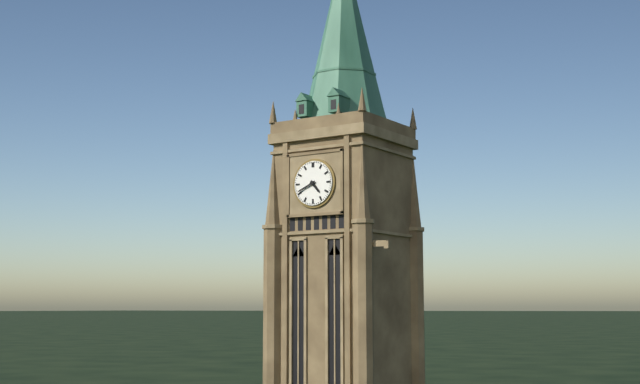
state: 4:41
